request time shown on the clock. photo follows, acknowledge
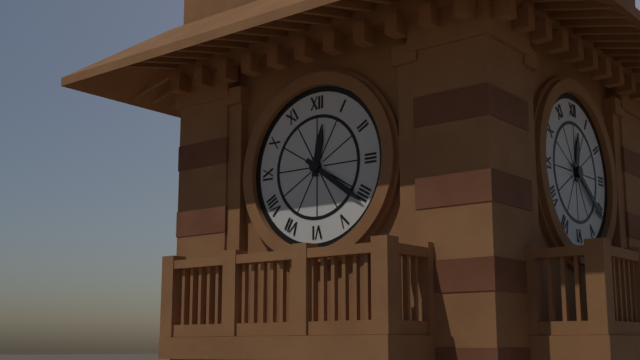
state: 12:21
